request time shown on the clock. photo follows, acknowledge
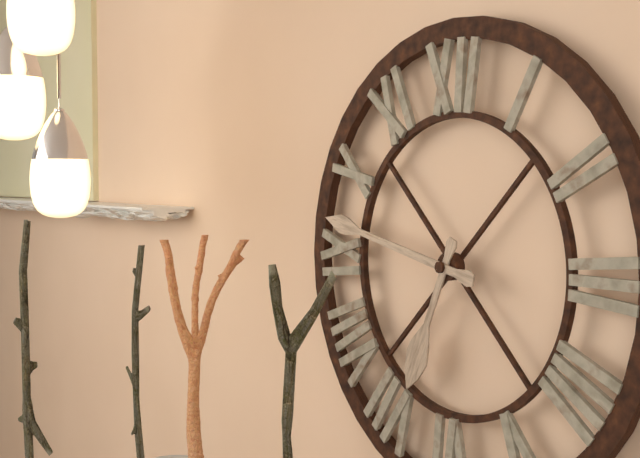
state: 6:47
